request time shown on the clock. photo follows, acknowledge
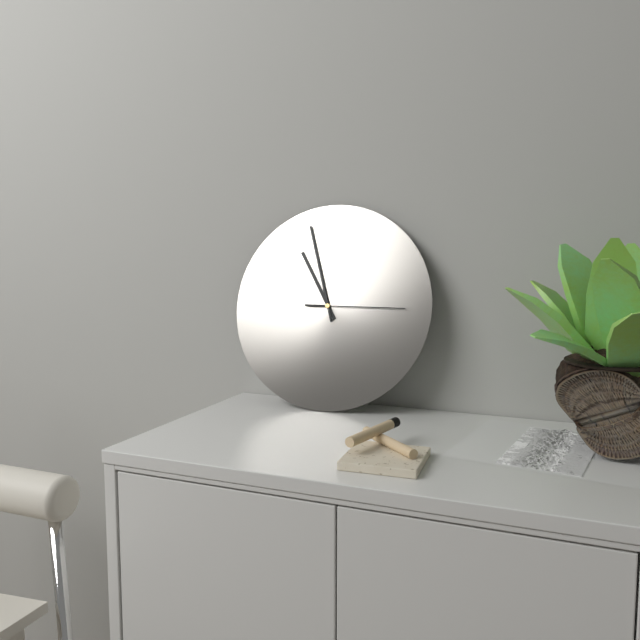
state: 10:57:15
